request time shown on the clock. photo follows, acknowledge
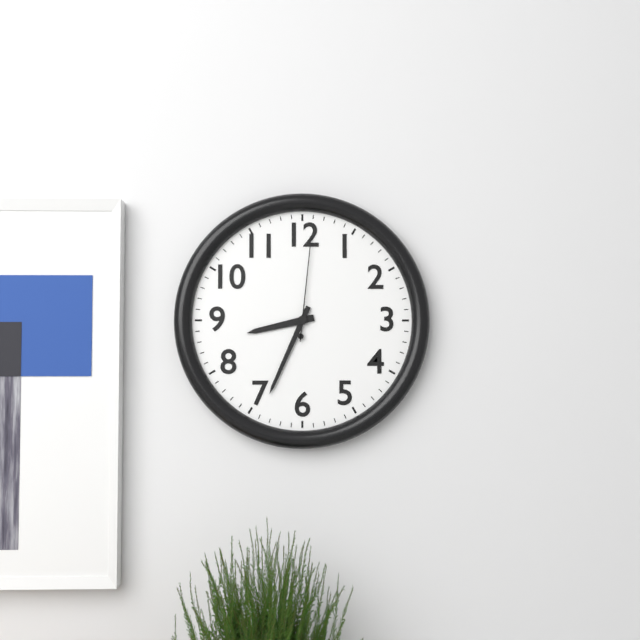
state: 8:34:01
